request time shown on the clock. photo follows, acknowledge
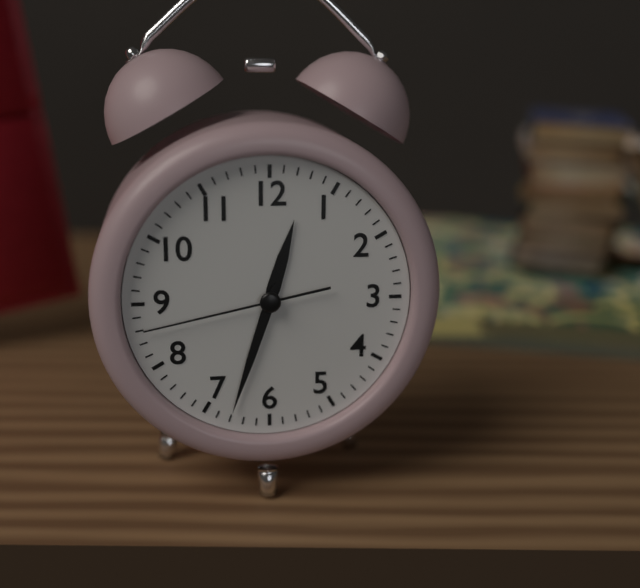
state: 12:33:43
